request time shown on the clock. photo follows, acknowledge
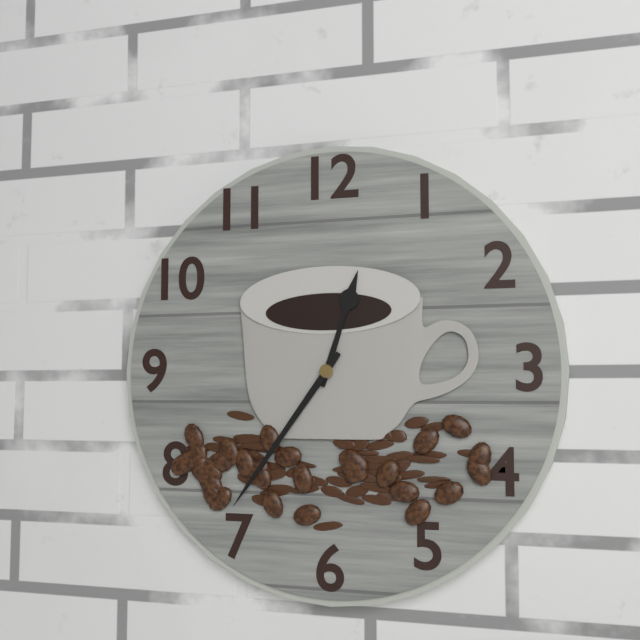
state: 12:36
